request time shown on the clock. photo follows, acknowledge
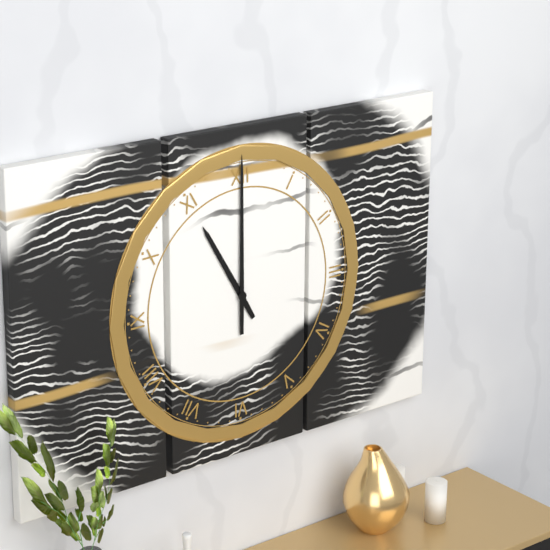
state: 11:00
